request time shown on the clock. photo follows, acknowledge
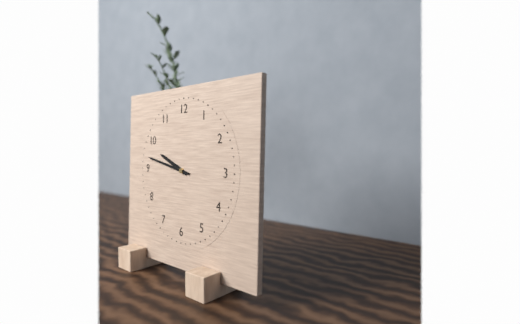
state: 9:47
